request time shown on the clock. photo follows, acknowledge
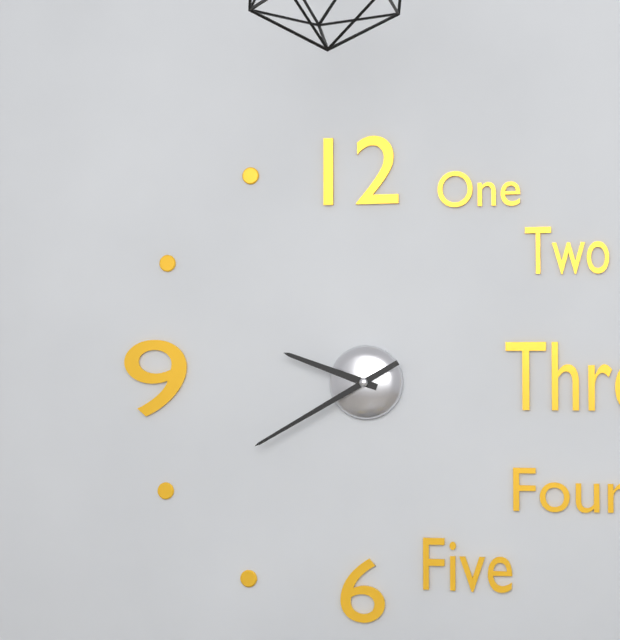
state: 9:40
